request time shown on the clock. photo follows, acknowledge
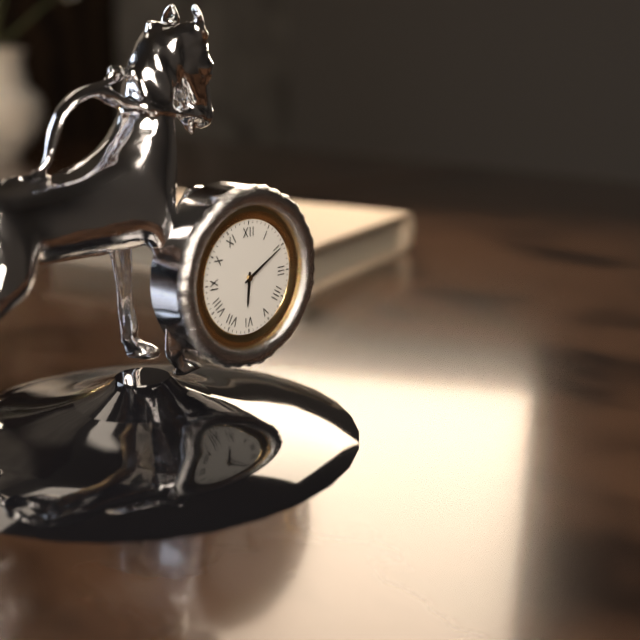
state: 6:10
